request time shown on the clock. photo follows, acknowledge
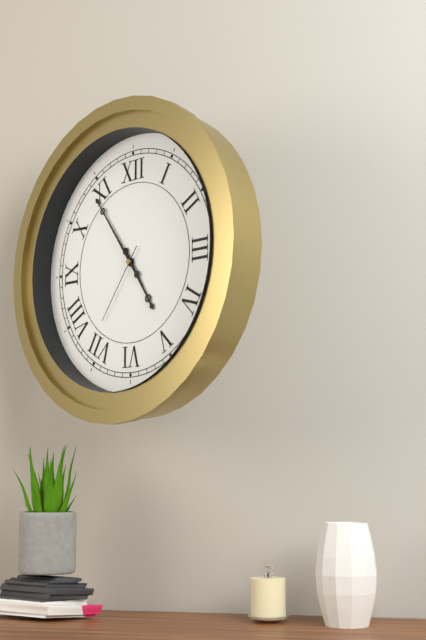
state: 4:54:36
